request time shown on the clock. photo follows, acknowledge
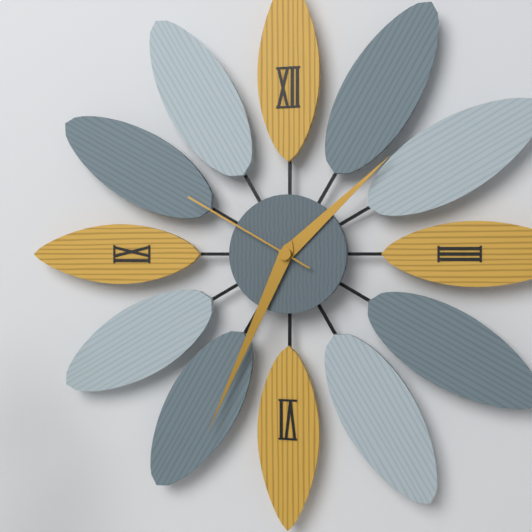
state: 1:34:50
